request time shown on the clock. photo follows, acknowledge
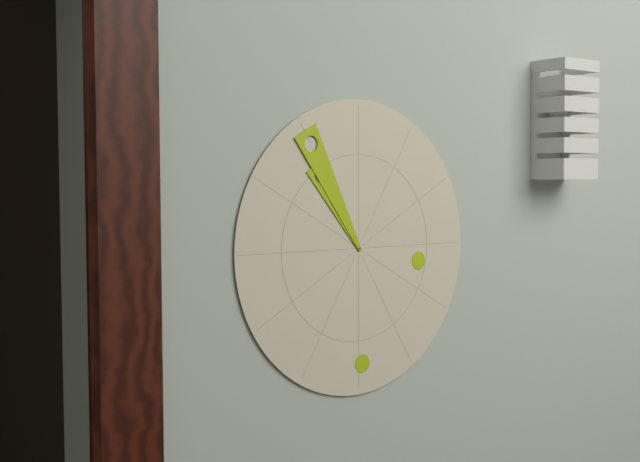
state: 10:55
